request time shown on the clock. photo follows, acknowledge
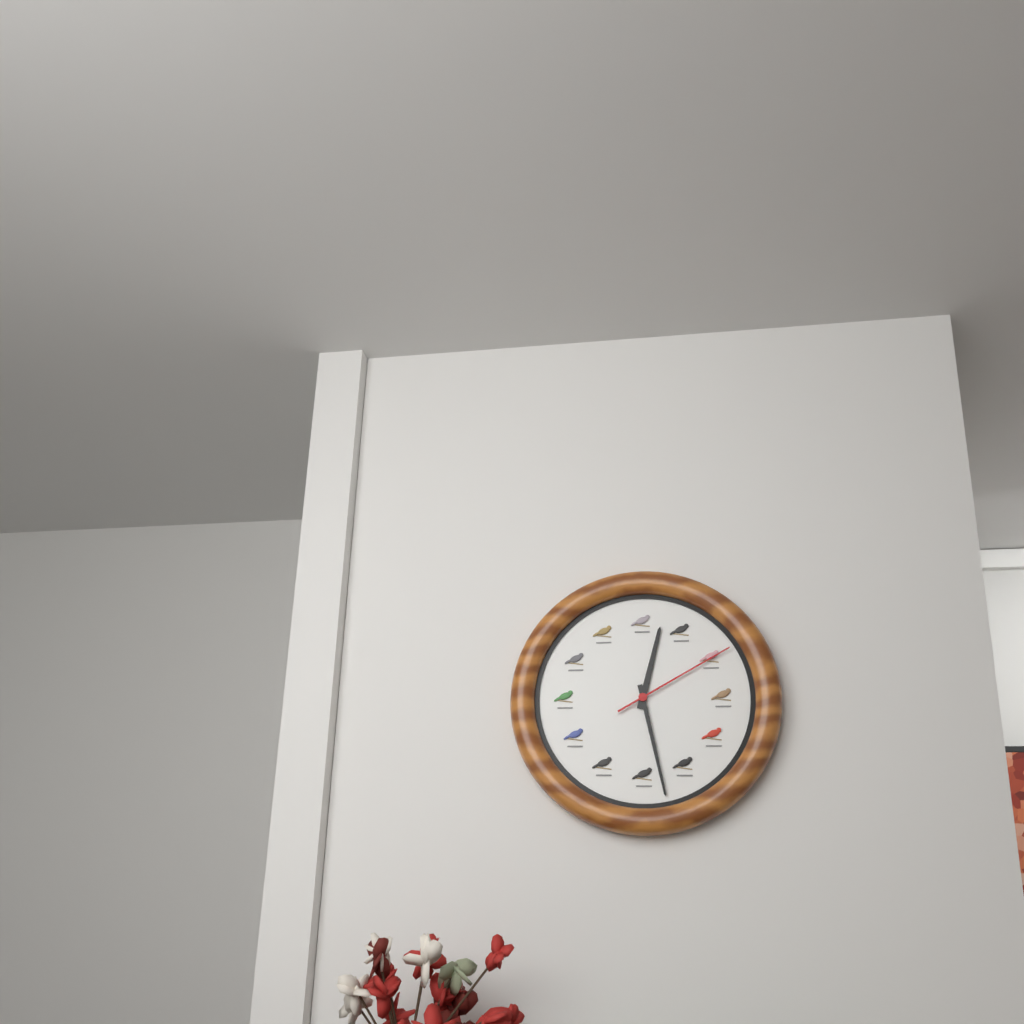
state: 12:28:10
